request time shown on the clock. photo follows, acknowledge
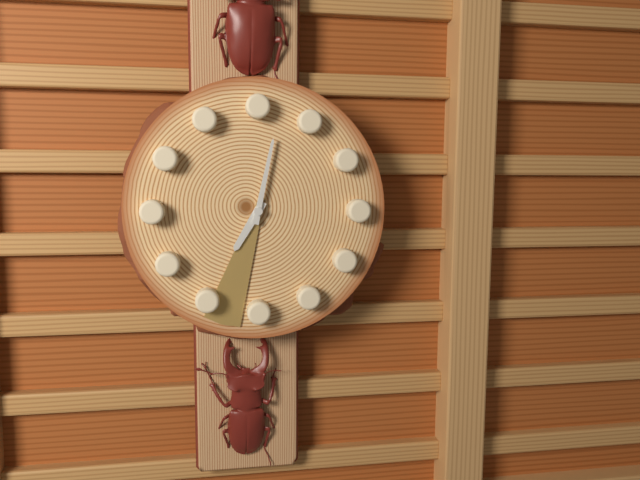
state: 7:02:33
